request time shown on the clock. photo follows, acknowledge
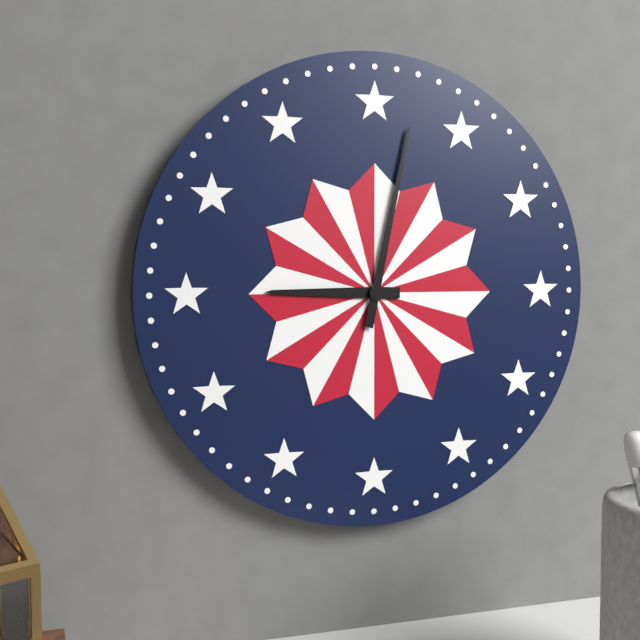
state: 9:02
